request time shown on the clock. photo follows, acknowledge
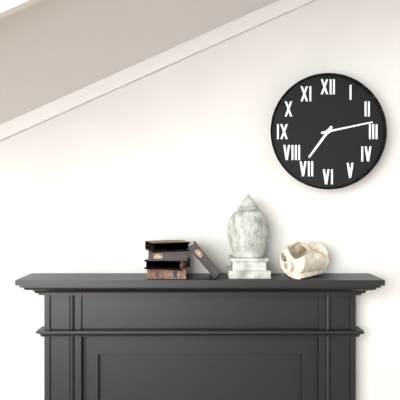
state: 7:13
